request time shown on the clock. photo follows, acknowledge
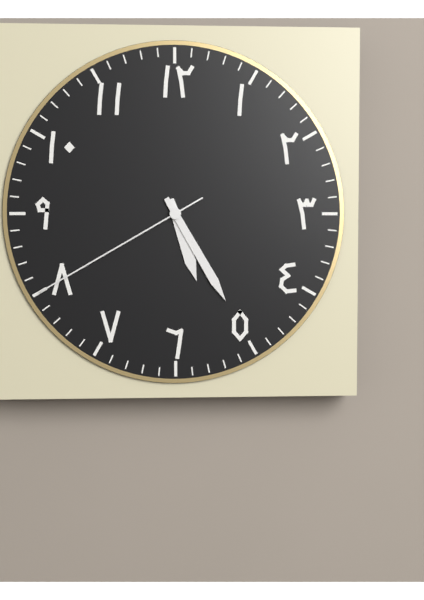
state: 5:25:40
